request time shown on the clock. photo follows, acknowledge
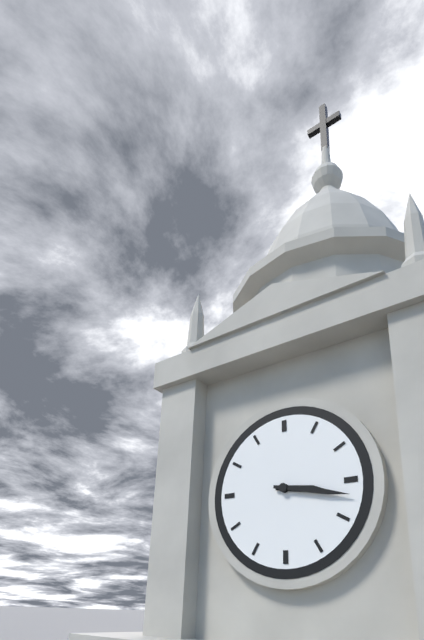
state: 3:17
